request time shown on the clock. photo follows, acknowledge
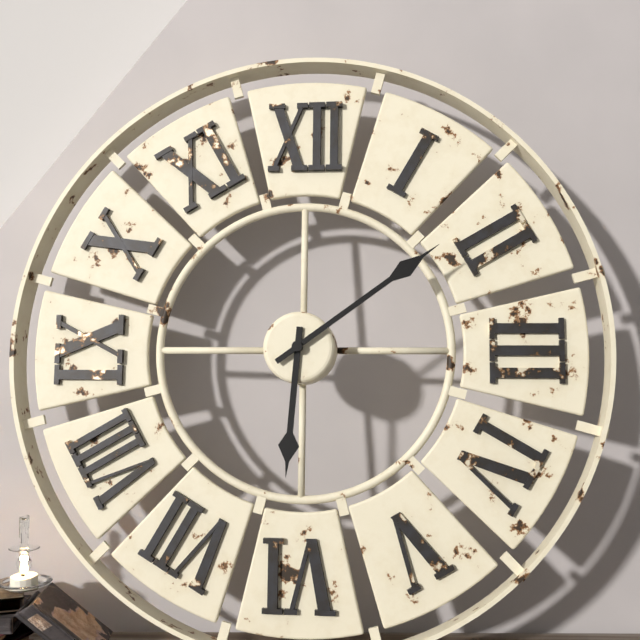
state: 6:09
